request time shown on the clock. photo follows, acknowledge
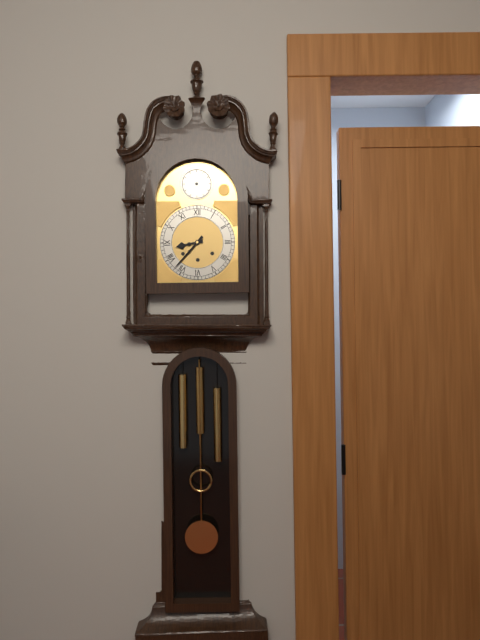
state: 8:37
